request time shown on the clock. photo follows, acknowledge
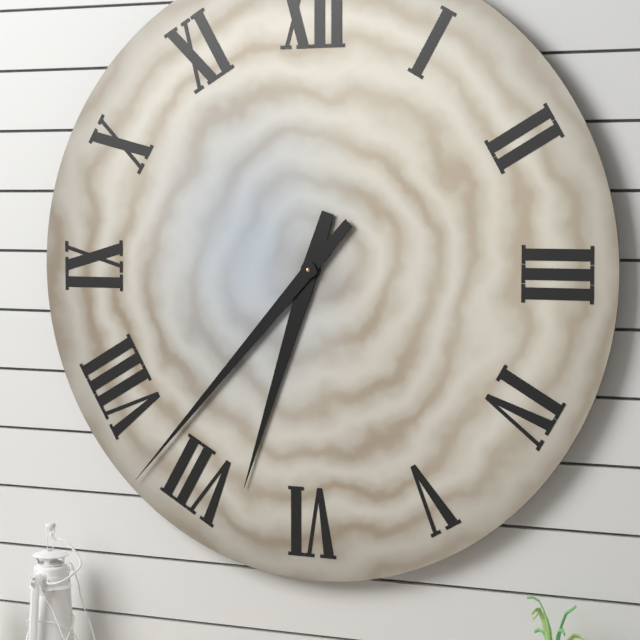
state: 6:37
